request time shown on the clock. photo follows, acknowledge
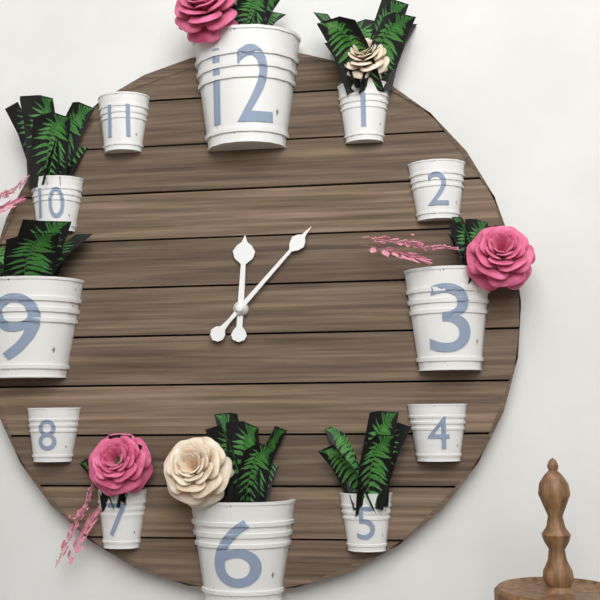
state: 12:07
